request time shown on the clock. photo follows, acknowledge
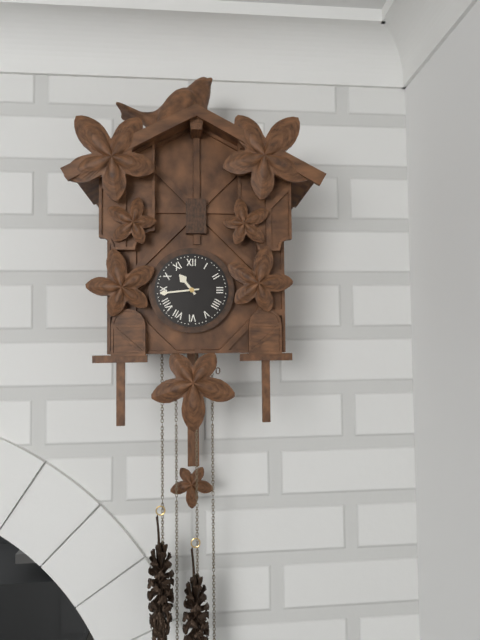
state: 10:44
